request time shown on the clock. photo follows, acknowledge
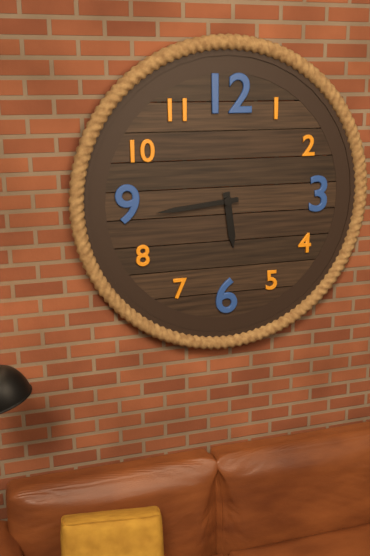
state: 5:44
